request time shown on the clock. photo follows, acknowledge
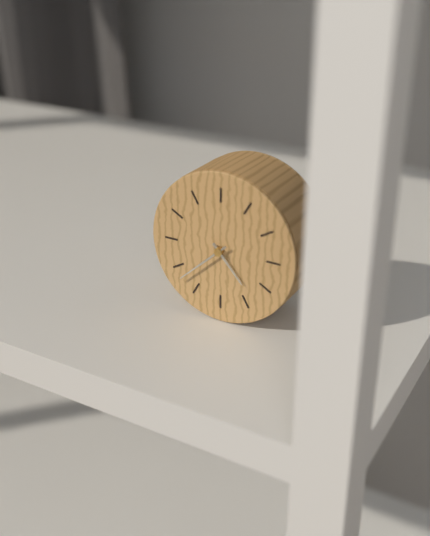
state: 4:38
